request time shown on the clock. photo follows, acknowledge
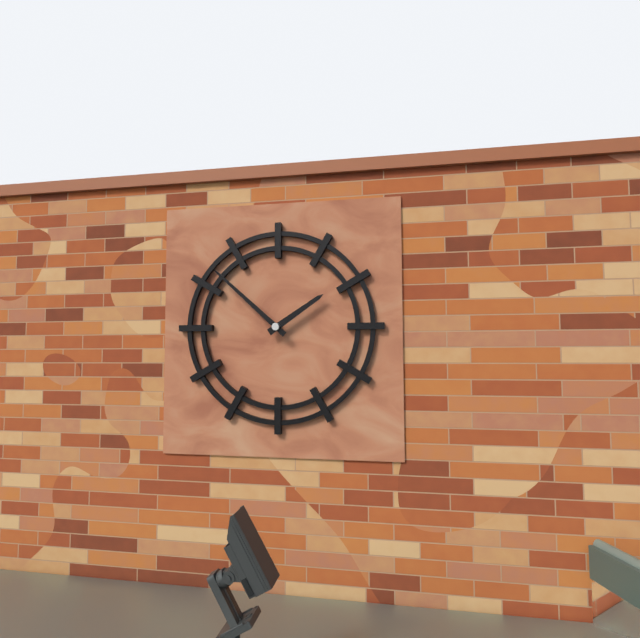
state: 1:52
